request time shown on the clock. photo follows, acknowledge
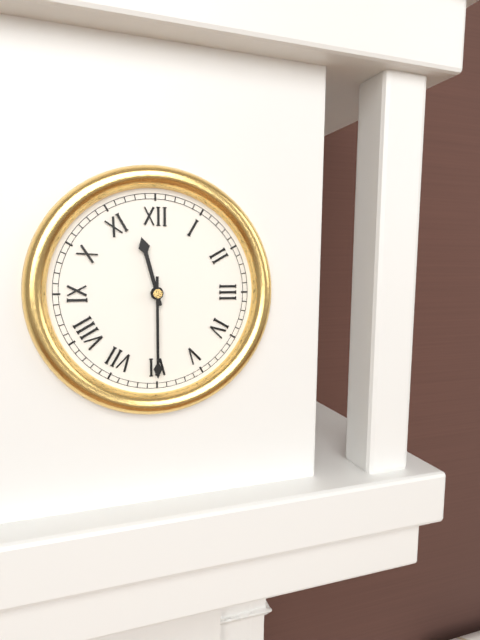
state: 11:30
